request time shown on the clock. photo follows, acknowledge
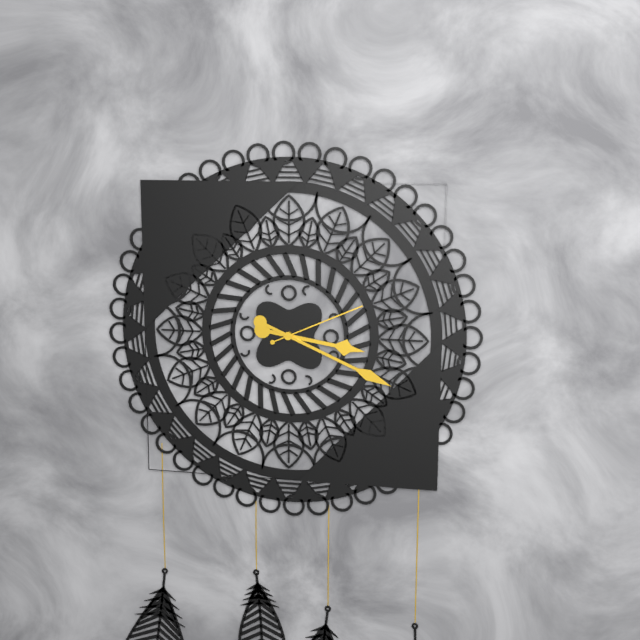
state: 3:19:11
